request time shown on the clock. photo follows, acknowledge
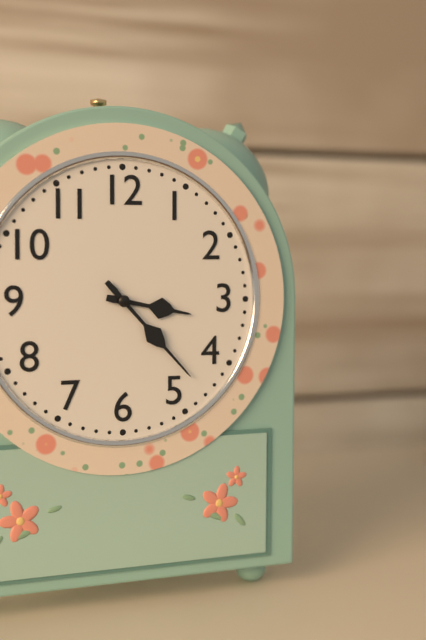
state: 3:23
